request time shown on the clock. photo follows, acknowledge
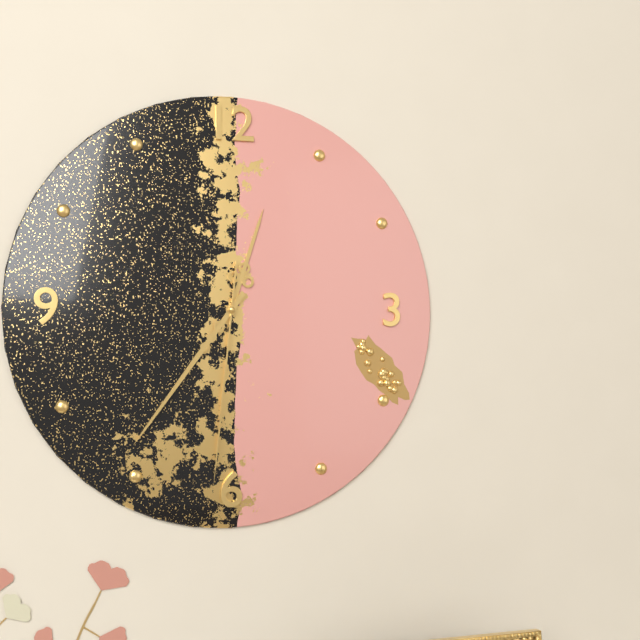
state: 12:36:31
